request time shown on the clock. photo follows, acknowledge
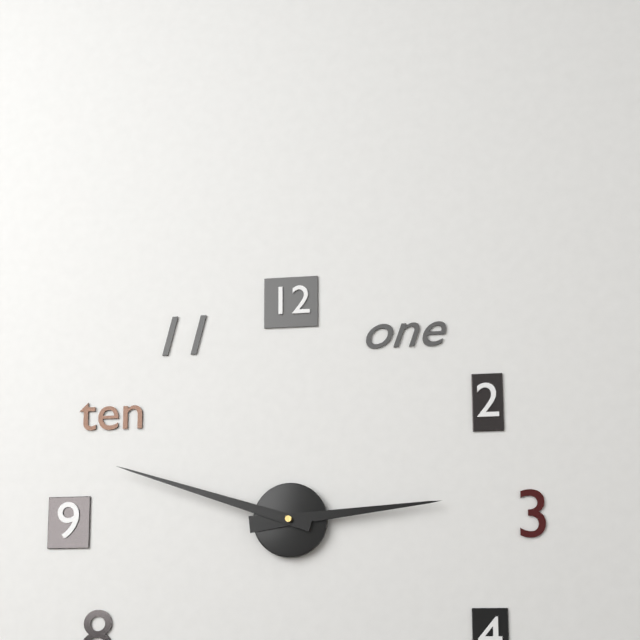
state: 2:48
